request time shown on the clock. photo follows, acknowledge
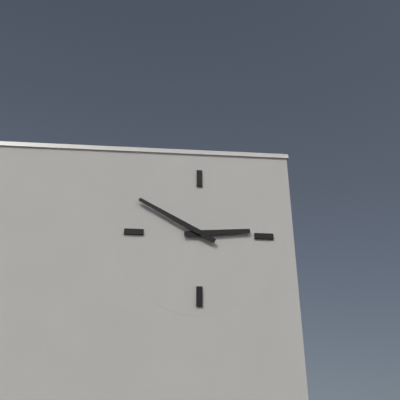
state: 2:50
